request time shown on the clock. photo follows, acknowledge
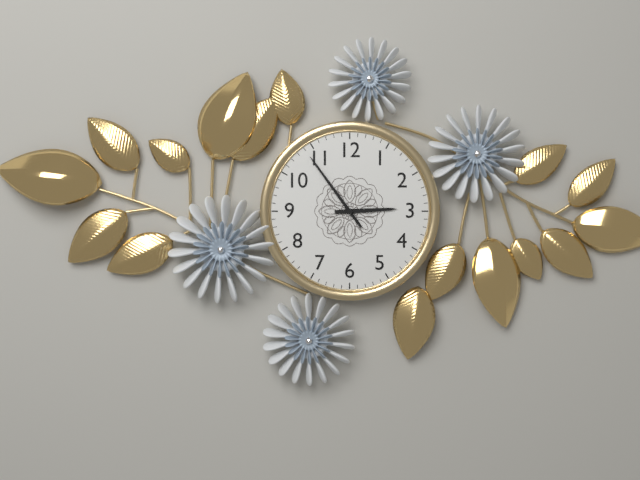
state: 2:54
